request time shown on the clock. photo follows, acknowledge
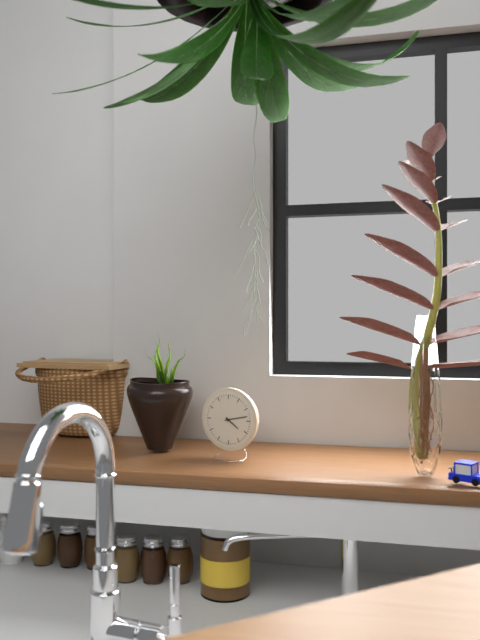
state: 4:13
